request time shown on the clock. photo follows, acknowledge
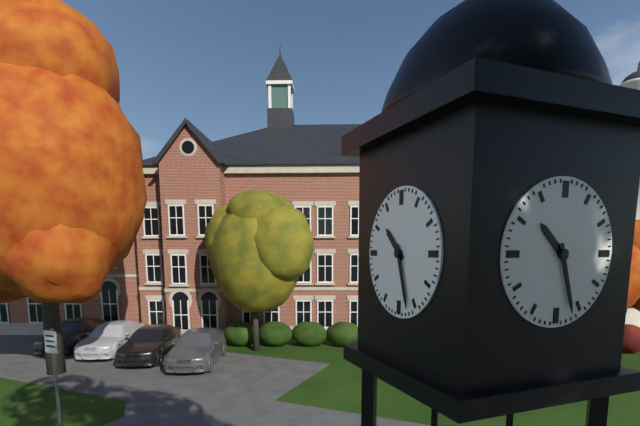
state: 10:27
